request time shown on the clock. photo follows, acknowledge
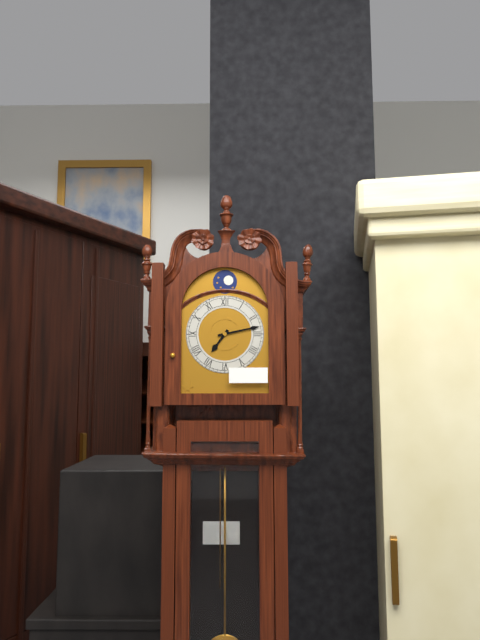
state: 7:13
